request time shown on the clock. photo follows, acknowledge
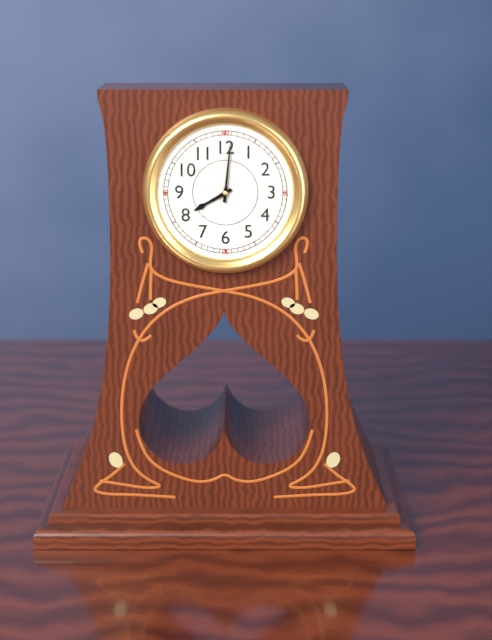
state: 8:01
